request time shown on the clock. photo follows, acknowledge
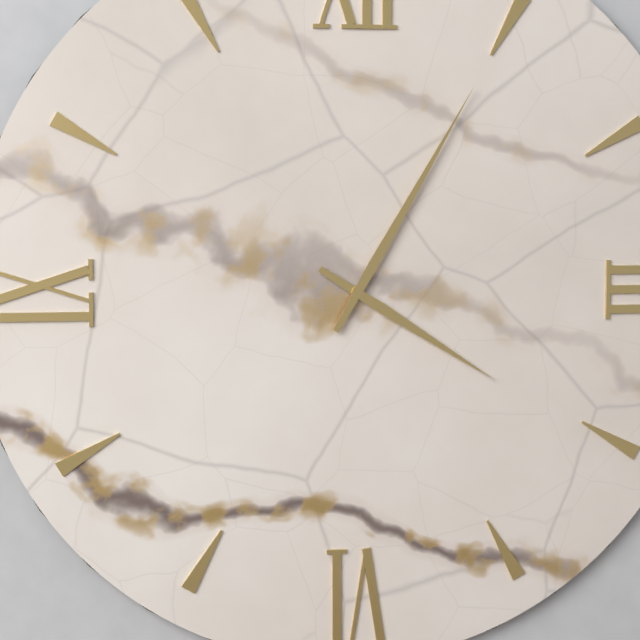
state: 4:05
